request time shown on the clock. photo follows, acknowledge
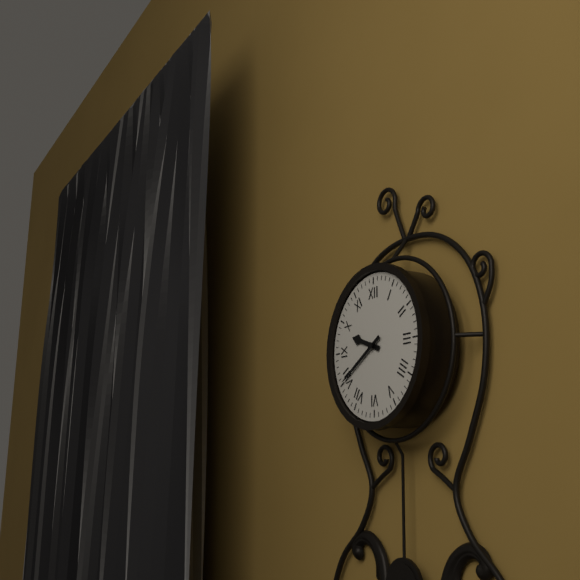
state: 9:40
